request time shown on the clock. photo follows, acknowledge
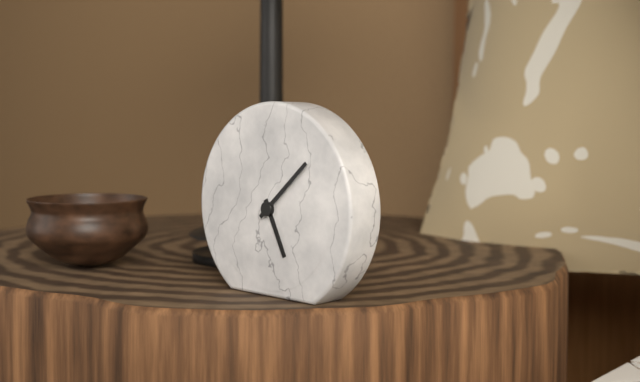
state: 5:08
